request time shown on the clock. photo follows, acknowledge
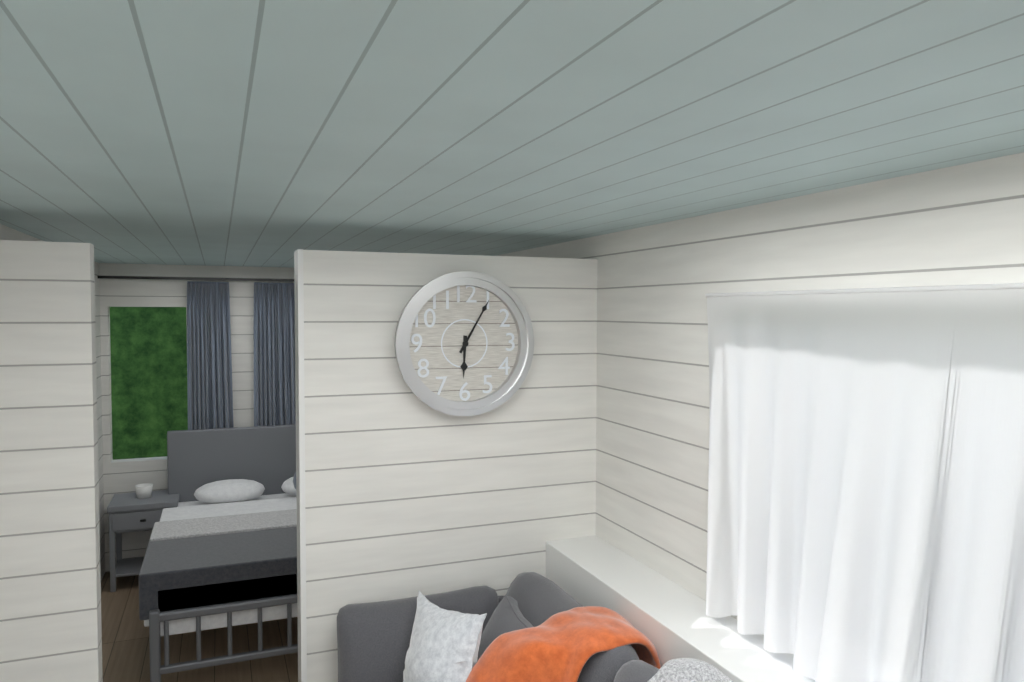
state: 6:05
